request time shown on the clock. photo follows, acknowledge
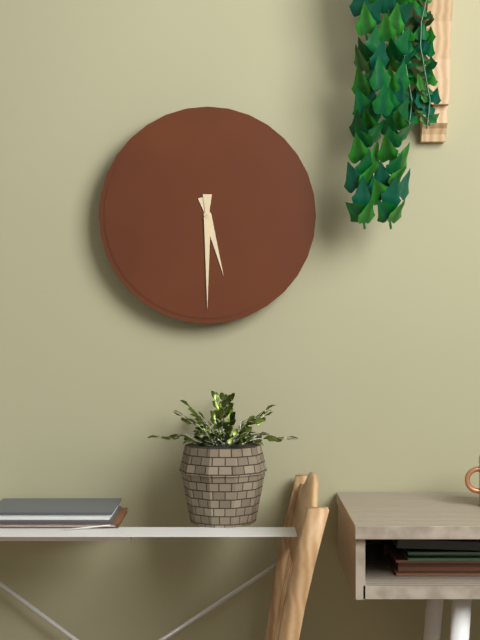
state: 5:30
